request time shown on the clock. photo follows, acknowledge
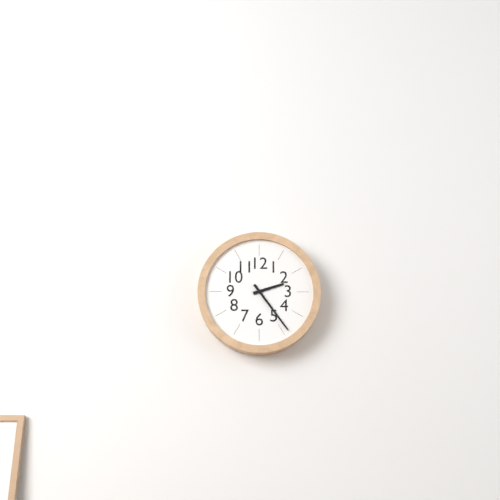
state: 2:24
